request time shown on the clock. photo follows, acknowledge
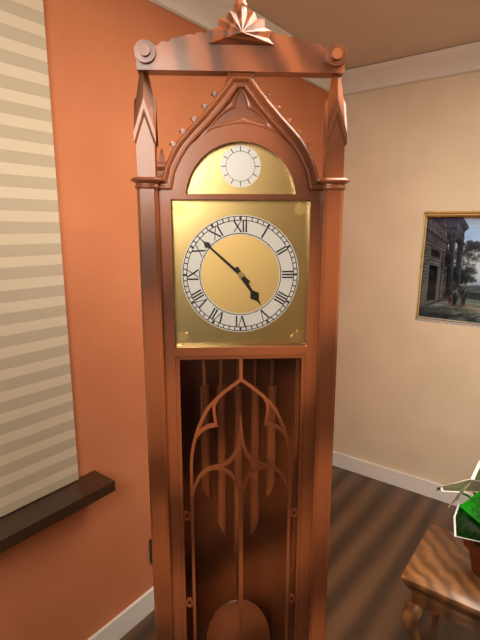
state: 4:52
